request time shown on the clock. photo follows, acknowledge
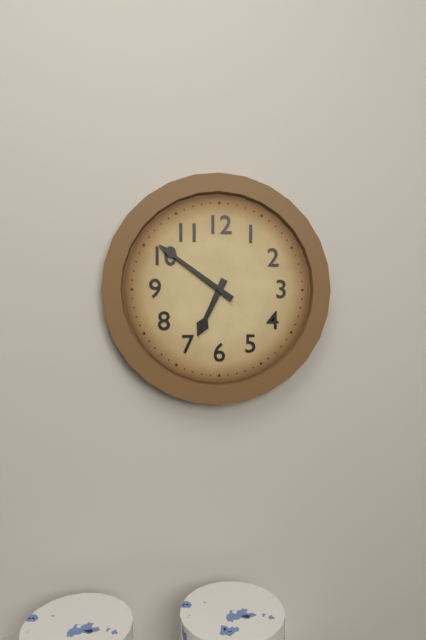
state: 6:51
